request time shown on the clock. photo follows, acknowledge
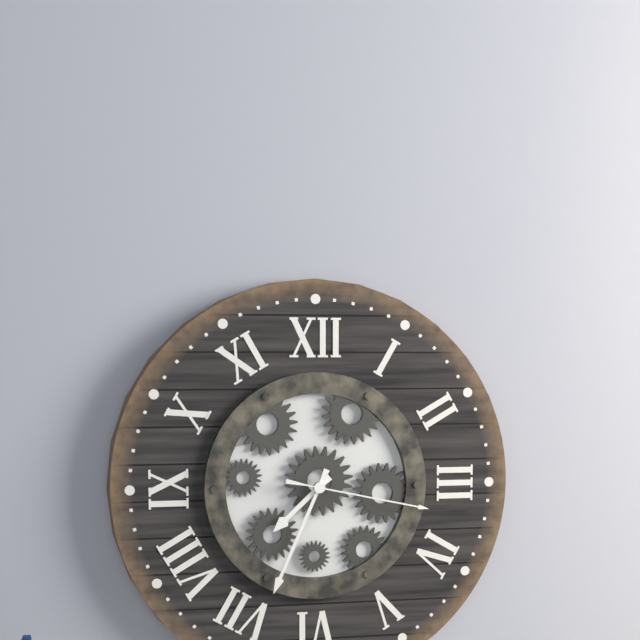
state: 7:34:17
